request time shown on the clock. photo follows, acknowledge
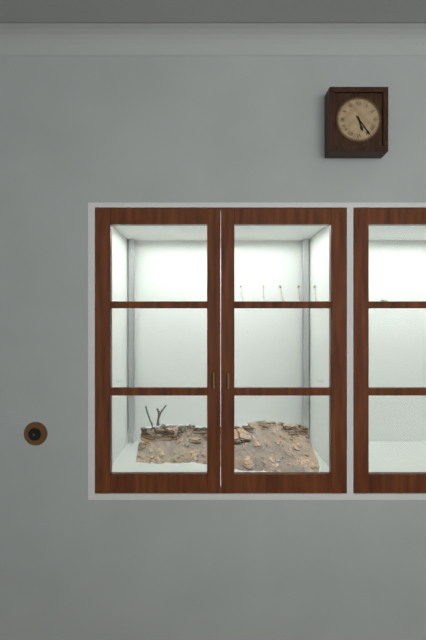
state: 5:24
